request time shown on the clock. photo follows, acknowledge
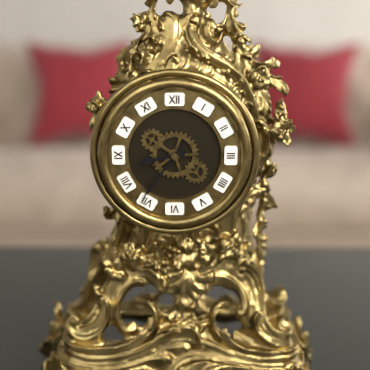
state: 8:36
